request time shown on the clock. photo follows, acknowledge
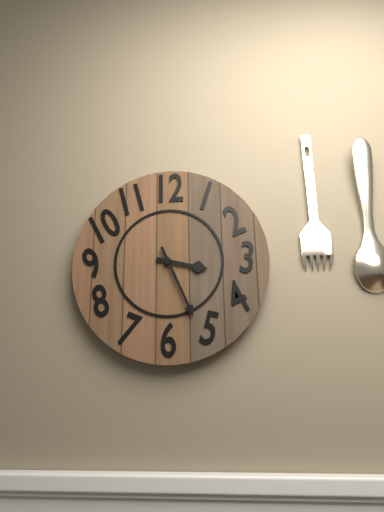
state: 3:26
